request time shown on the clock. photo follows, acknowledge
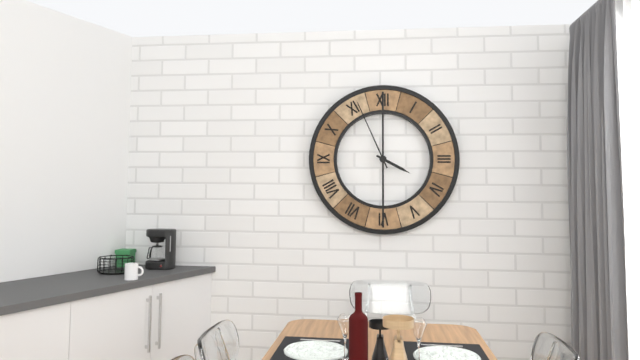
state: 3:56
